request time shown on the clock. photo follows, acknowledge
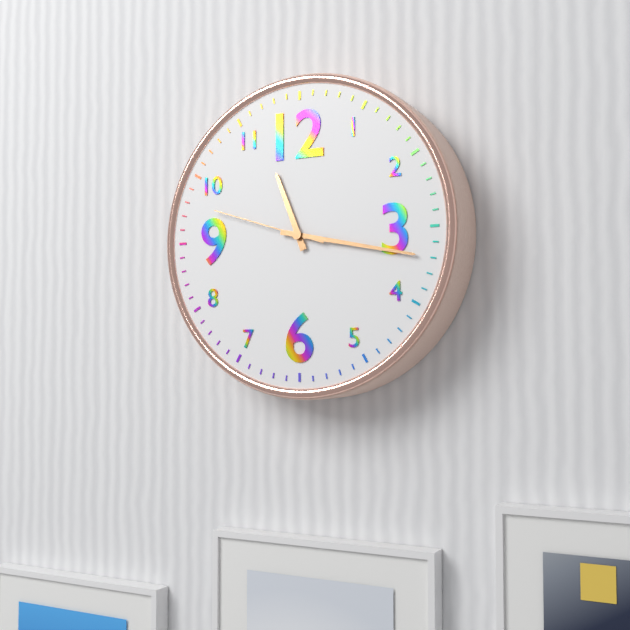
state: 11:17:48
